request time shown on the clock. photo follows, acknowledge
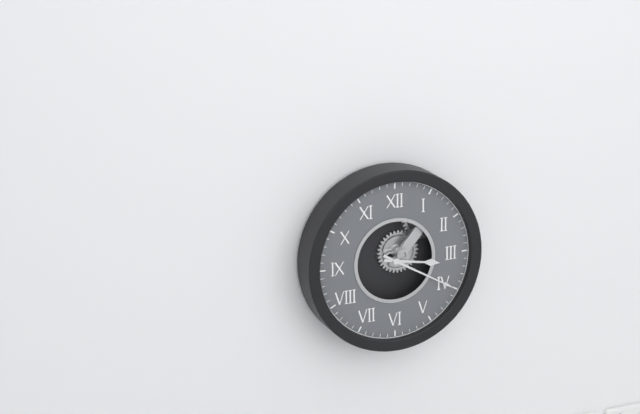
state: 3:20
